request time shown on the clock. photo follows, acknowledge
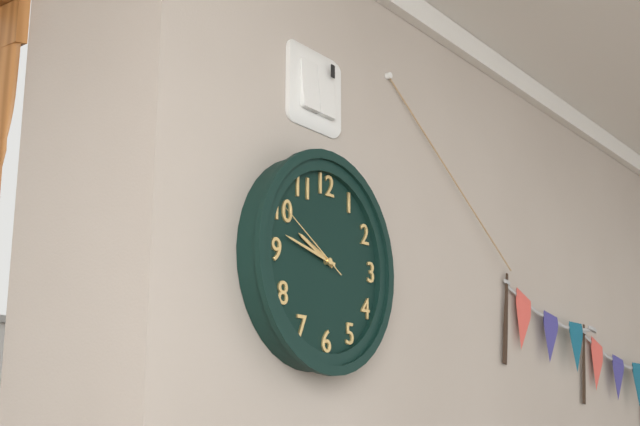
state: 9:47:50
